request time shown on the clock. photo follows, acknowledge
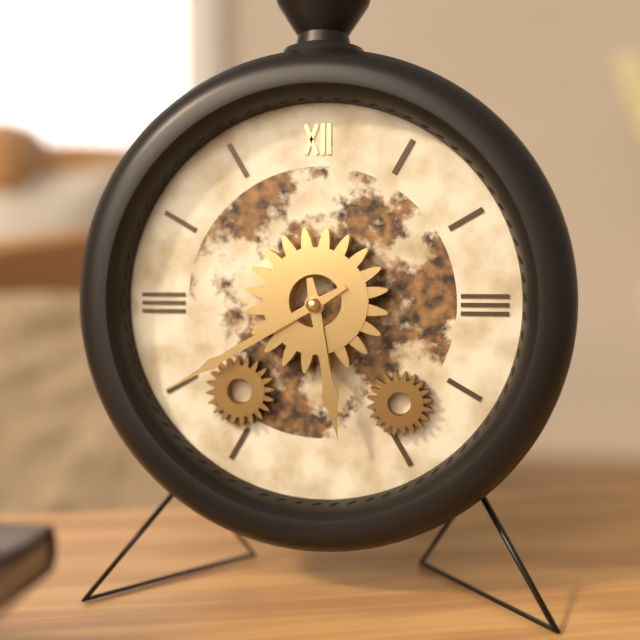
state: 5:40
